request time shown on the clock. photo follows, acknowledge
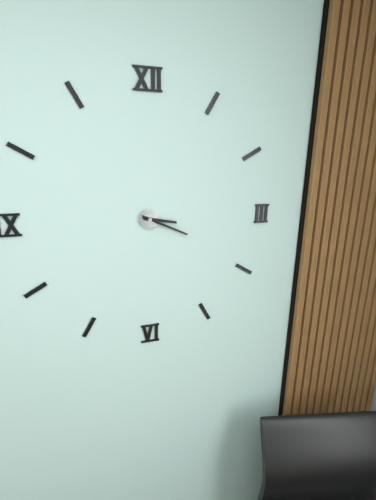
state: 3:19
